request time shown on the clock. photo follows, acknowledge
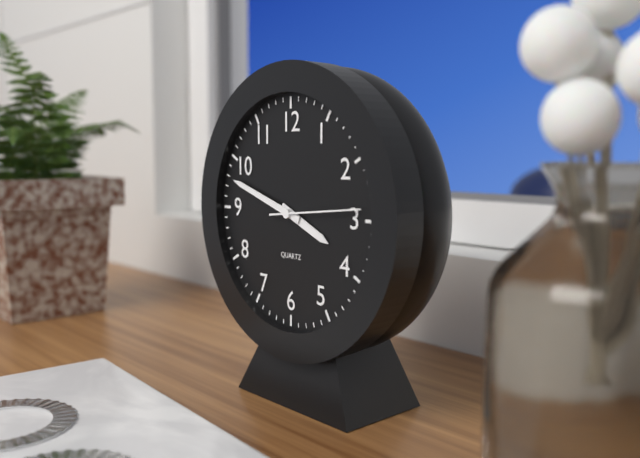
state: 3:48:14
